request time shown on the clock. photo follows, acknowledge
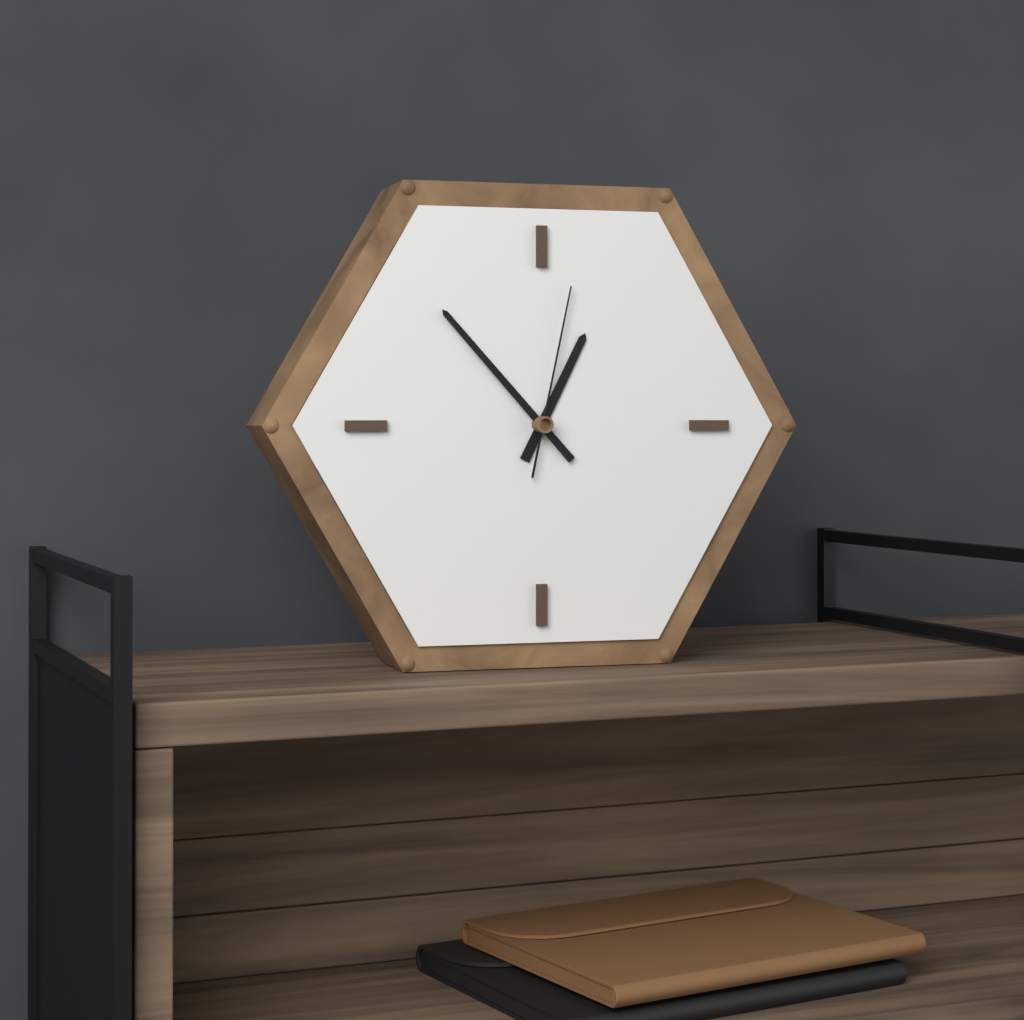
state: 12:53:02
